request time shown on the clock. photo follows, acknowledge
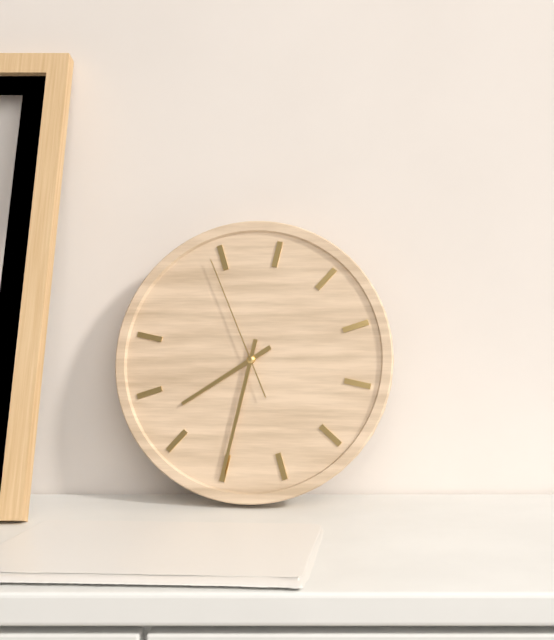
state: 7:30:54
